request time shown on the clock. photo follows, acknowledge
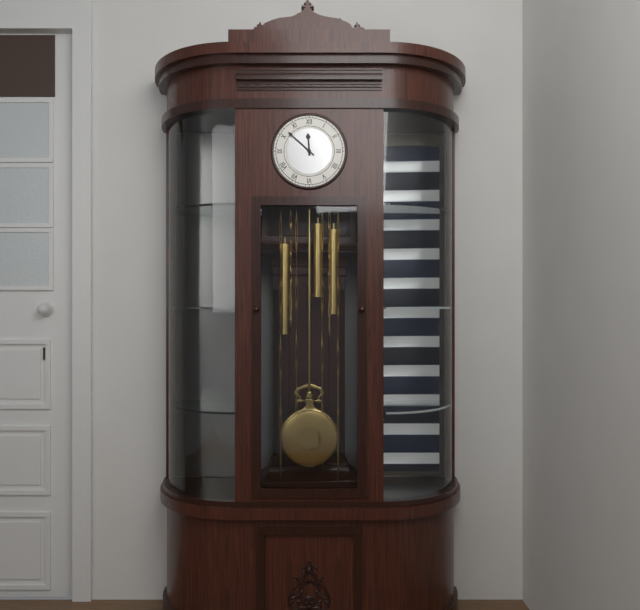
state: 11:52
